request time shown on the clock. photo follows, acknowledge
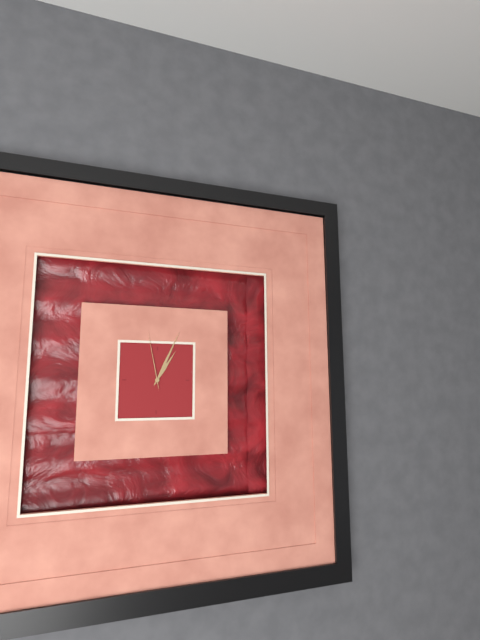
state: 1:04:58
